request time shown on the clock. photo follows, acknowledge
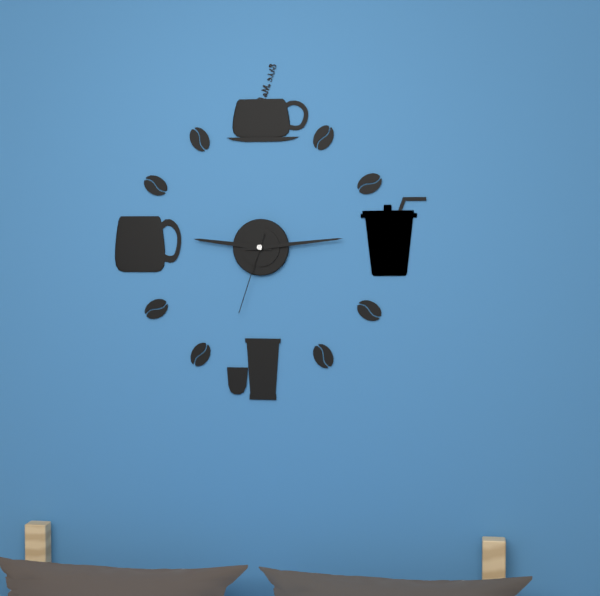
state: 9:14:33
